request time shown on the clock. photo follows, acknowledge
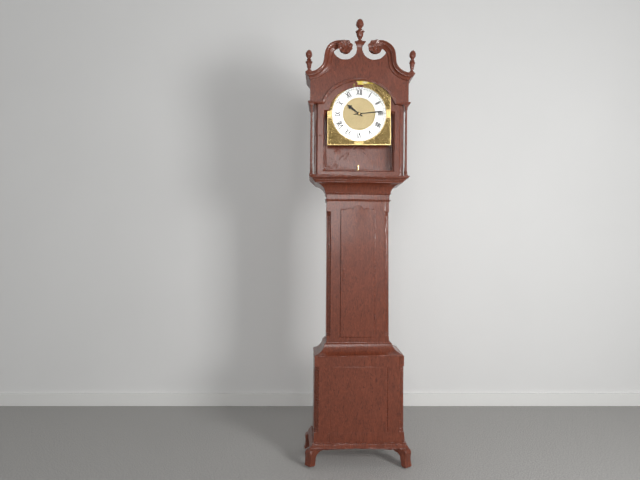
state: 10:14
